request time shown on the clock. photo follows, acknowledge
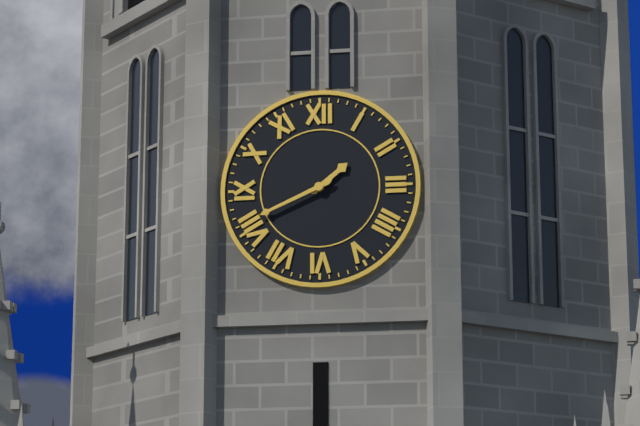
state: 1:41
